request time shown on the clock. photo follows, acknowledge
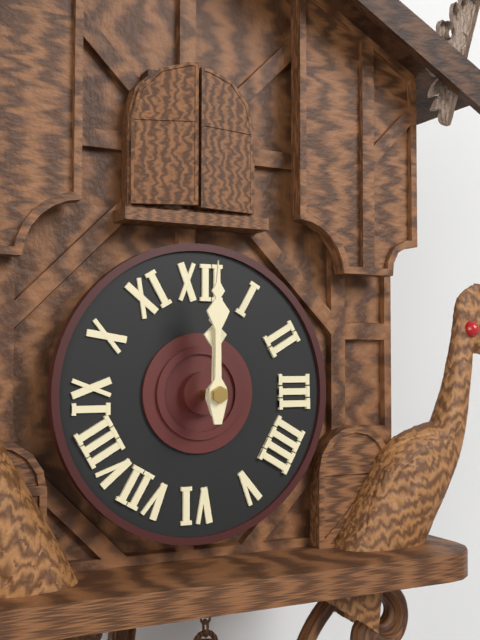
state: 12:00
